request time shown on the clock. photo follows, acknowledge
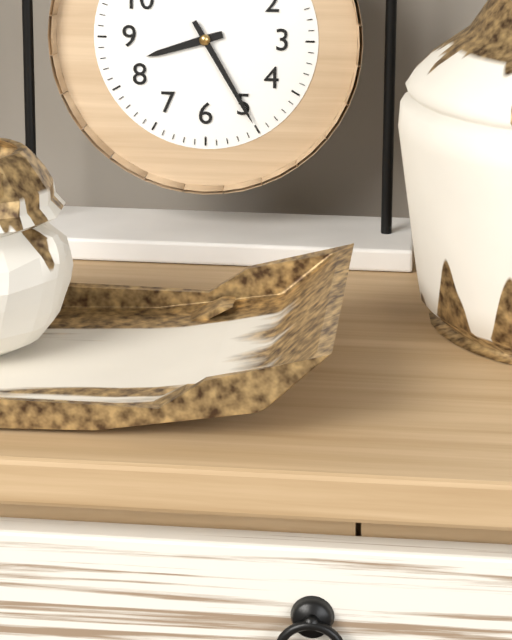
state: 8:25
